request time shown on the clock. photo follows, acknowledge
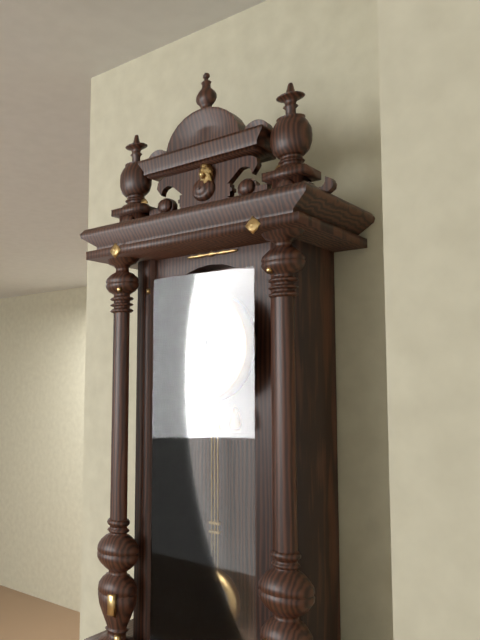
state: 12:29
